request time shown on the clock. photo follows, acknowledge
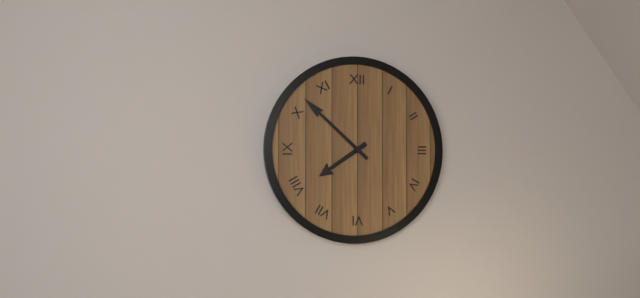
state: 7:52
